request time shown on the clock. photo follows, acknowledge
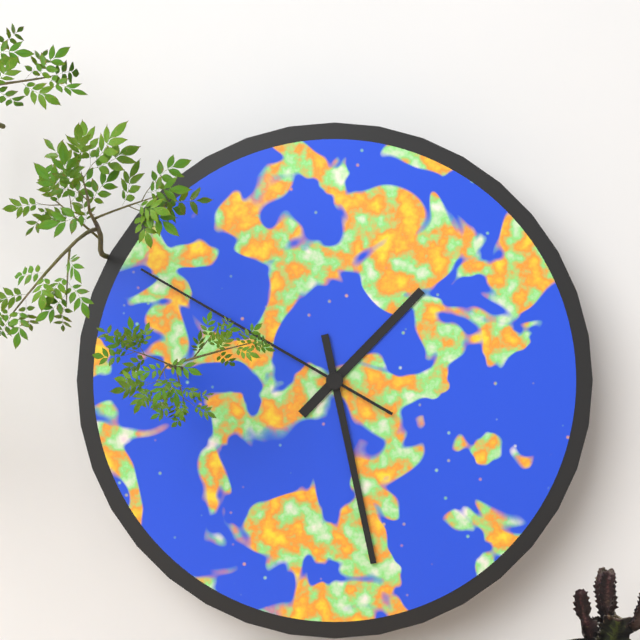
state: 1:28:50
